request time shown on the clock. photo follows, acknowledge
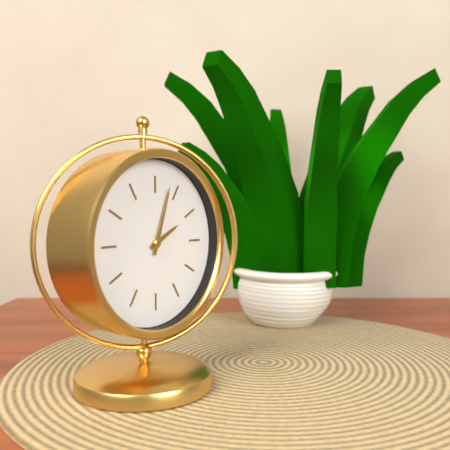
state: 2:03
